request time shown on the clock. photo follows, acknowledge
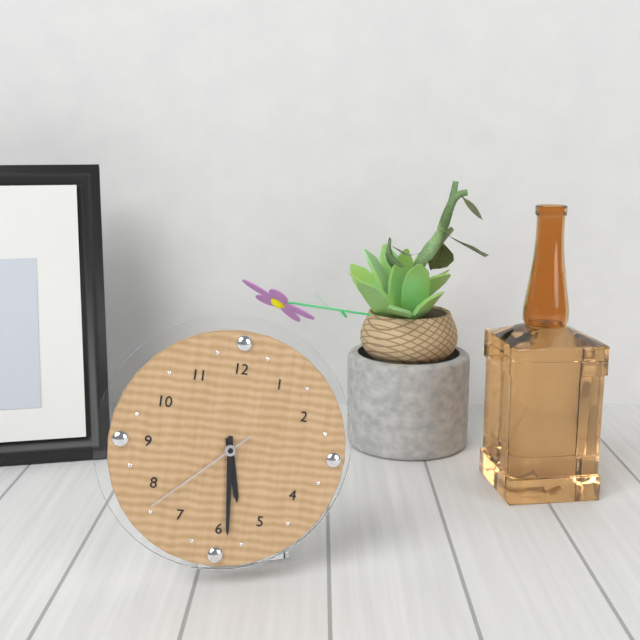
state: 5:29:38
